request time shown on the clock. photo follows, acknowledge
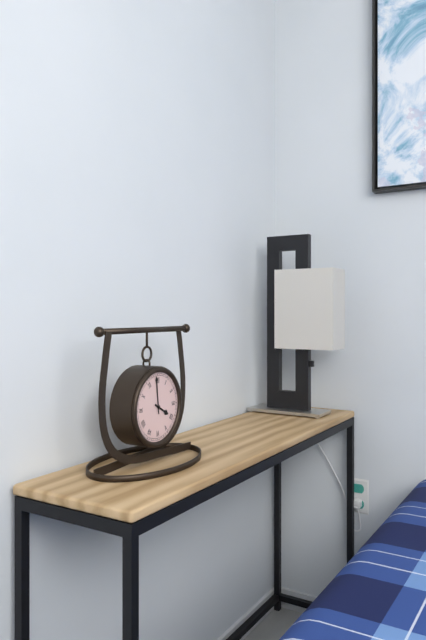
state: 3:59
